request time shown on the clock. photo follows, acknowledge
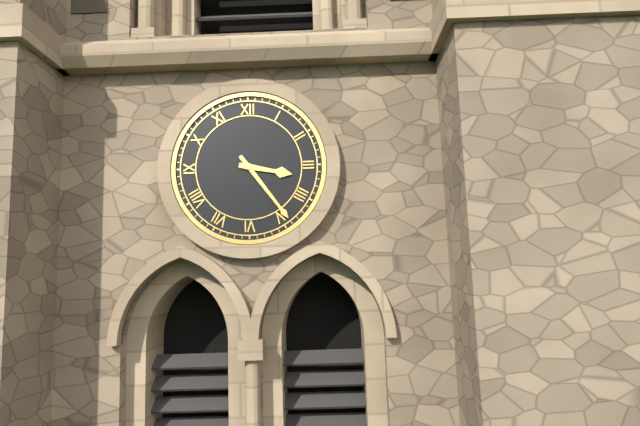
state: 3:24
